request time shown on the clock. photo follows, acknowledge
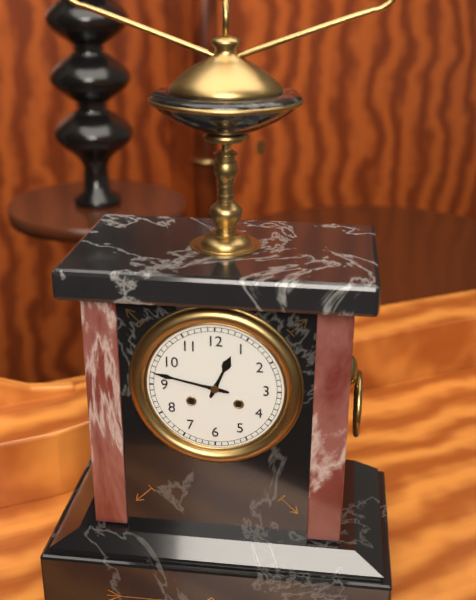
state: 12:47
